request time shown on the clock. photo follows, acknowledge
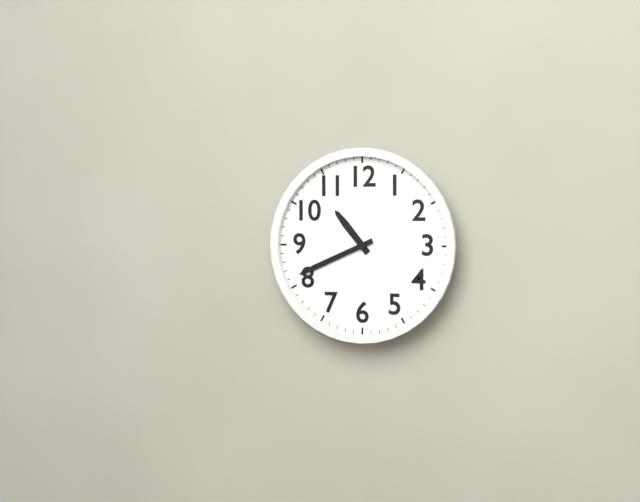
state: 10:41
